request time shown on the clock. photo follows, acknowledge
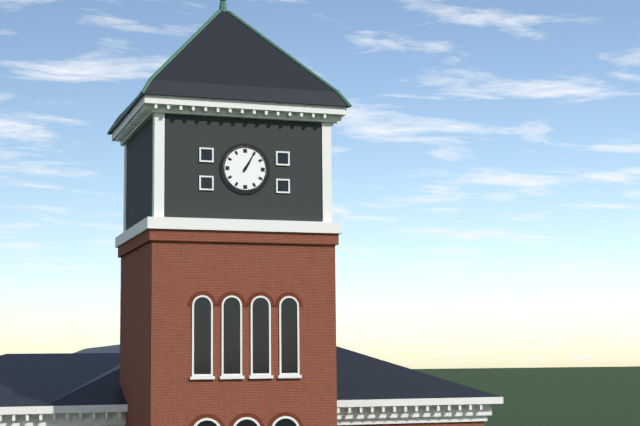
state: 1:05
